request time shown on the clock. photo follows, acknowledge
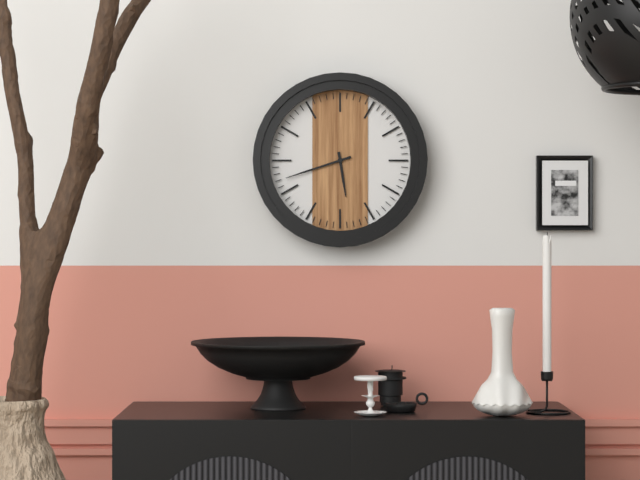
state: 5:42
